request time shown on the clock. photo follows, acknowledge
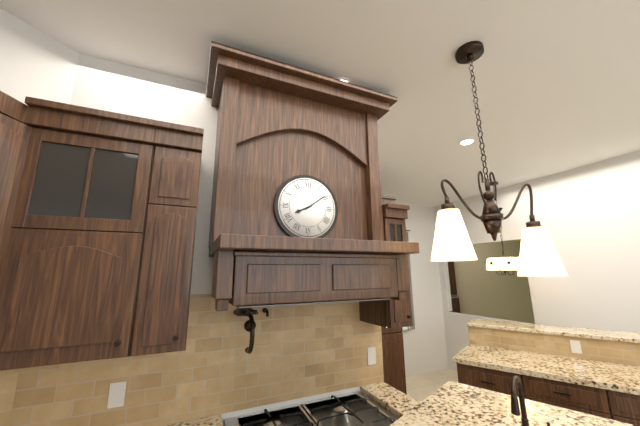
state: 8:09
